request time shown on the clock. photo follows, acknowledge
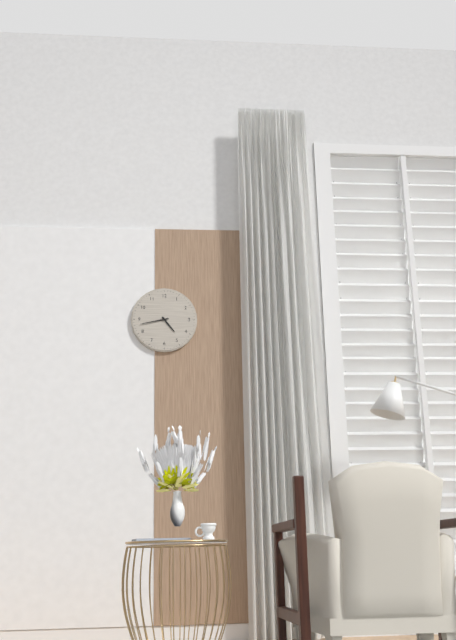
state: 4:43
